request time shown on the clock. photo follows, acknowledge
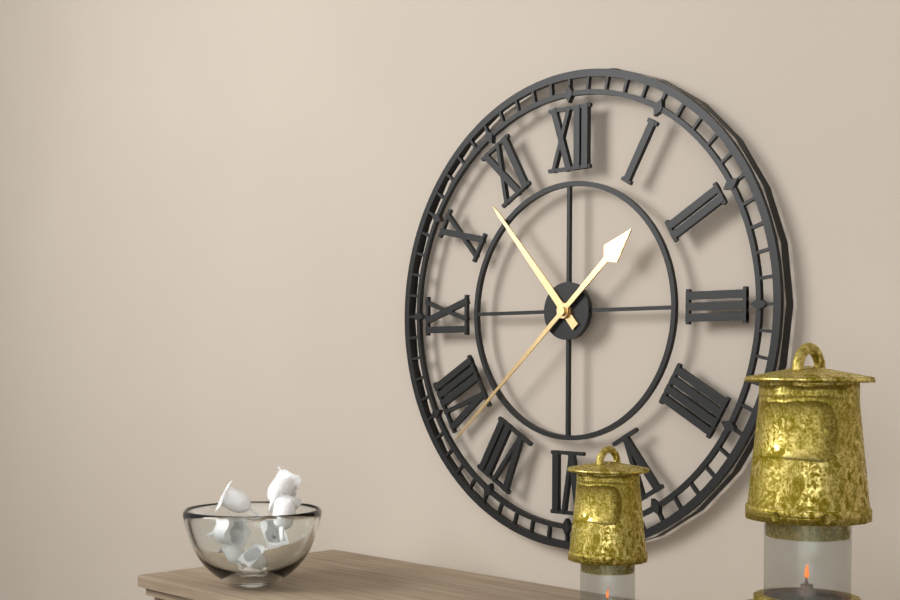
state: 10:38
